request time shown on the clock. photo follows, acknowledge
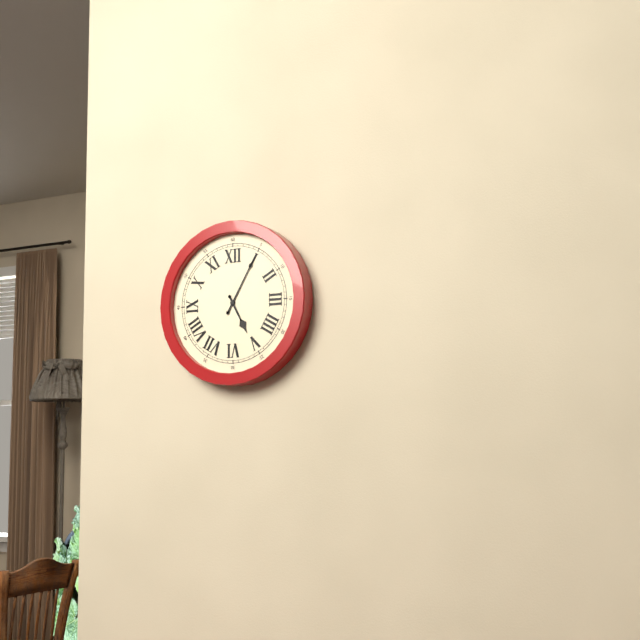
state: 5:05
